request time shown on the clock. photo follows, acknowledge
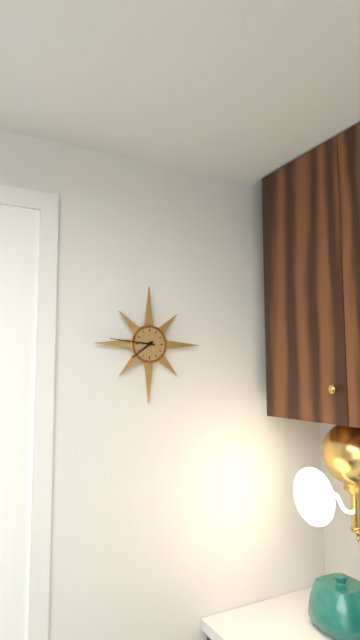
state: 7:46
